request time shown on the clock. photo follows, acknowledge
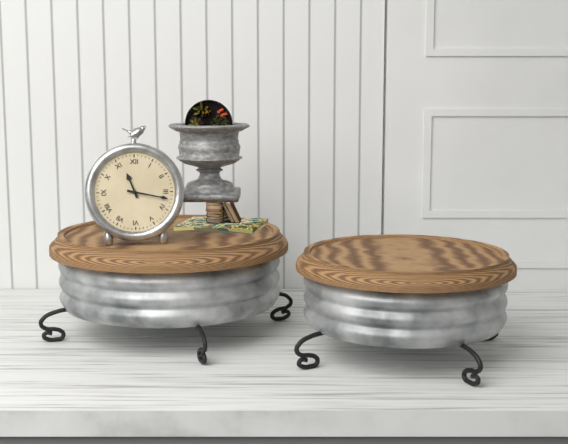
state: 11:17
